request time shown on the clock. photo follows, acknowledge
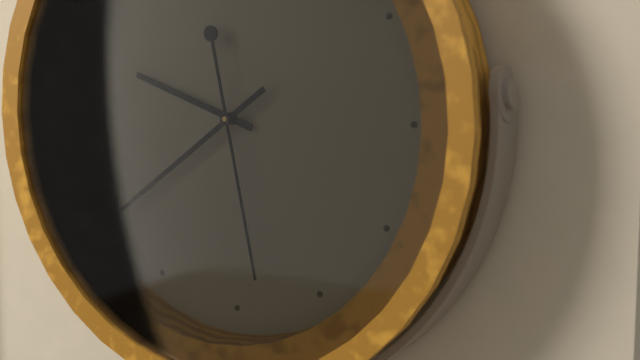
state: 9:39:28
